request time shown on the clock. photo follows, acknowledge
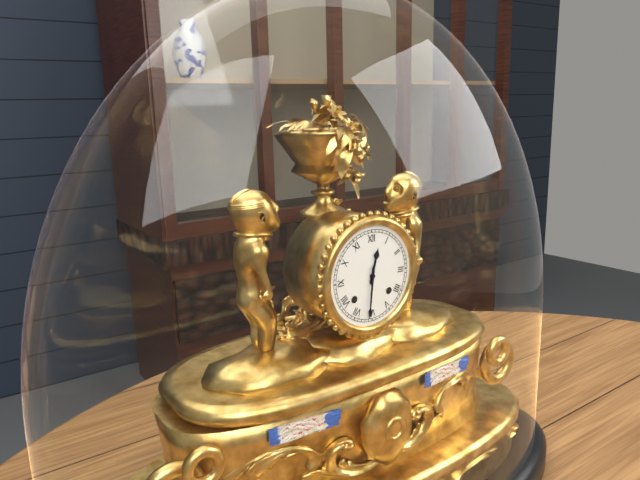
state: 12:31
